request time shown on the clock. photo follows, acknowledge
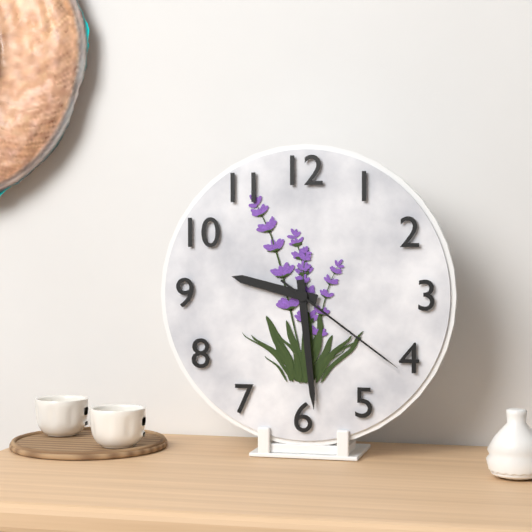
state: 9:29:21
